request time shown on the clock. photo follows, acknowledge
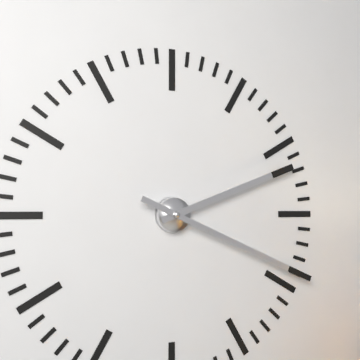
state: 2:19
